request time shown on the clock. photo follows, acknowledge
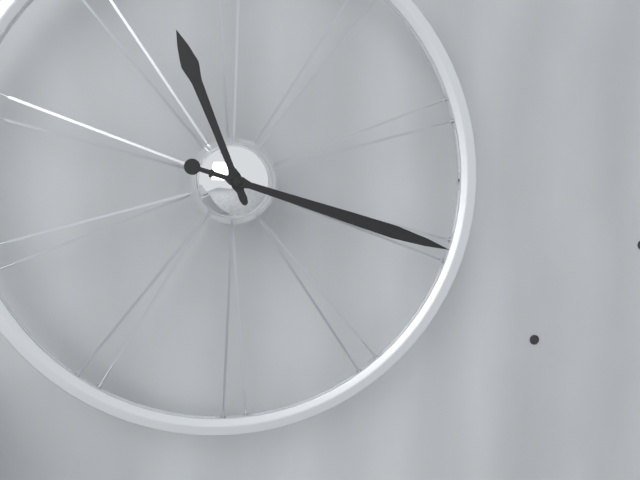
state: 11:18
